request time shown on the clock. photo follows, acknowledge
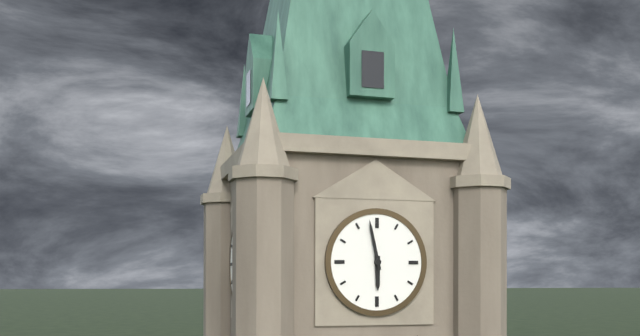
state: 5:58
